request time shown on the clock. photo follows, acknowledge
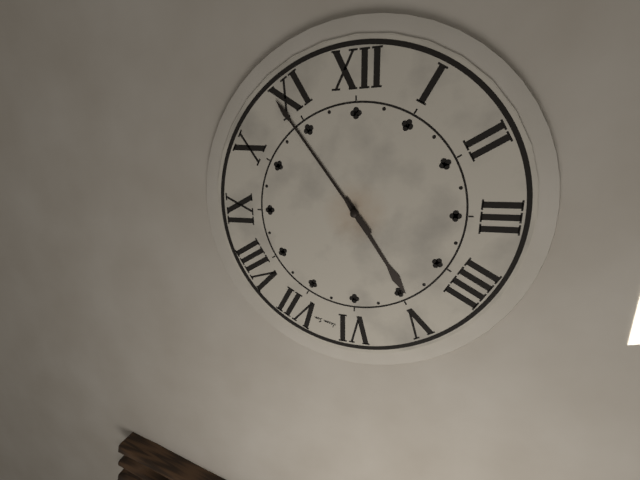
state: 4:54
